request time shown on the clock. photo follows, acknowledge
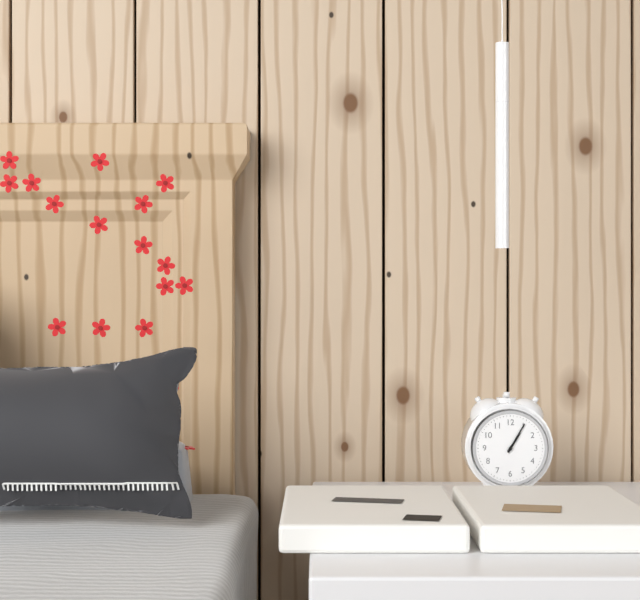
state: 1:05
